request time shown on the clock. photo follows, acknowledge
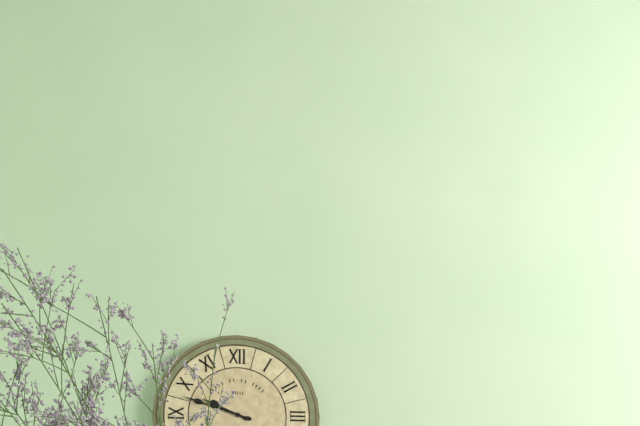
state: 9:48
